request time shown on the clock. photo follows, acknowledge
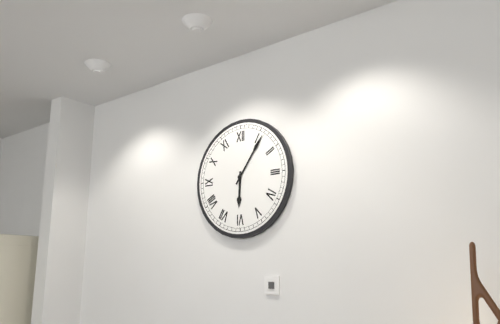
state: 6:06
